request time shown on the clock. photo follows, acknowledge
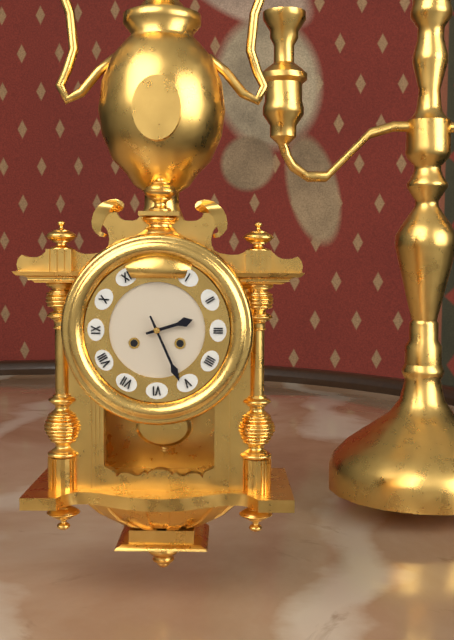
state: 2:26
